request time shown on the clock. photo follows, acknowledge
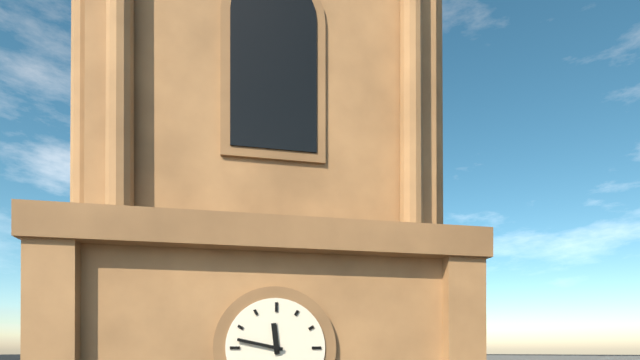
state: 11:47
